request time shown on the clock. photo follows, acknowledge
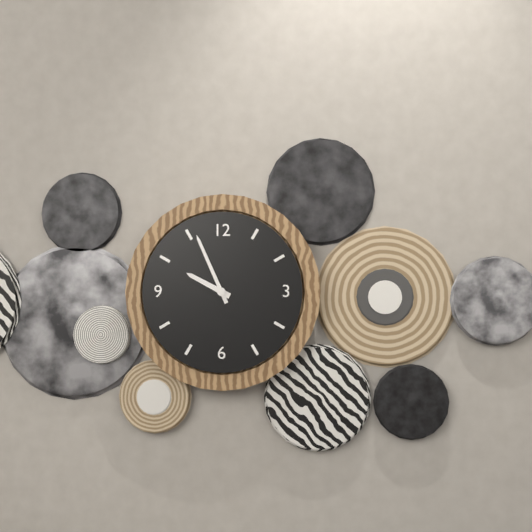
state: 9:56
